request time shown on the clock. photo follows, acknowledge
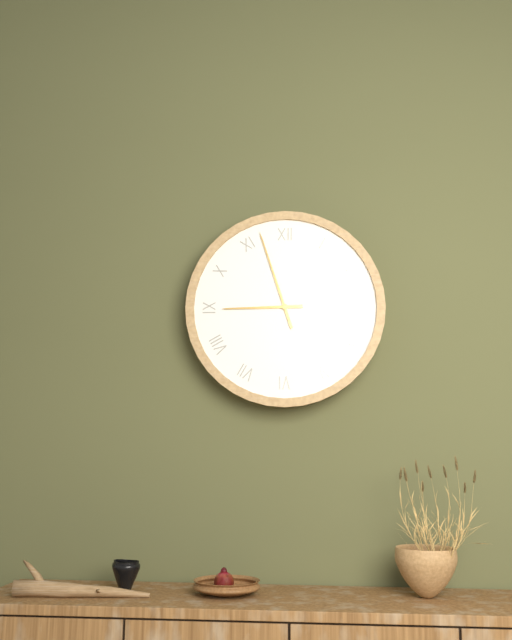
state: 8:57
